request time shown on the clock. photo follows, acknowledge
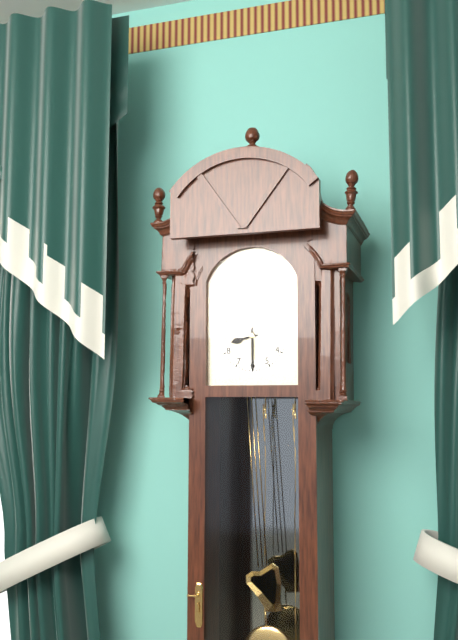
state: 8:30
